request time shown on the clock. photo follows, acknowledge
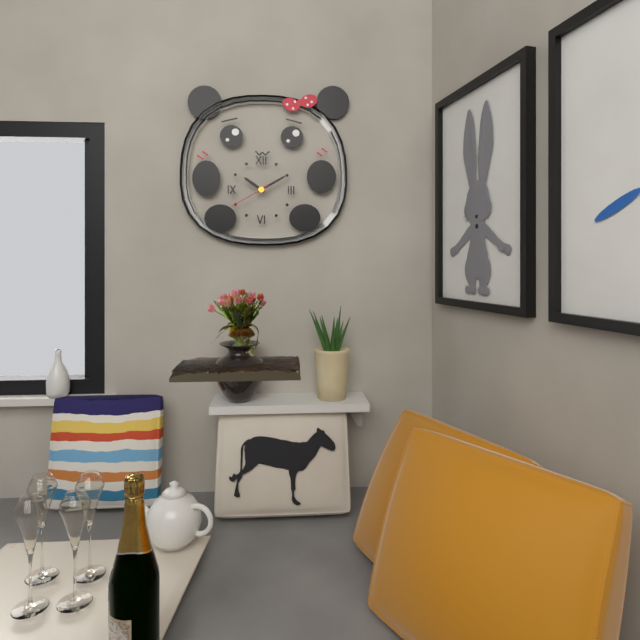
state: 10:10
